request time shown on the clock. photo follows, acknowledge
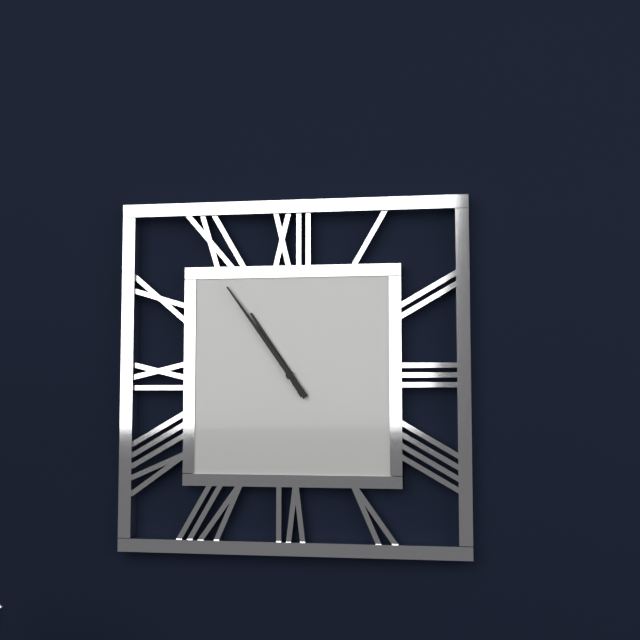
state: 10:54
